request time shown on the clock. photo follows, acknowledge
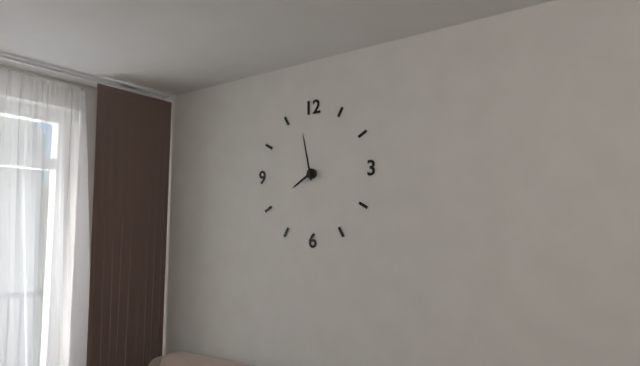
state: 7:58
